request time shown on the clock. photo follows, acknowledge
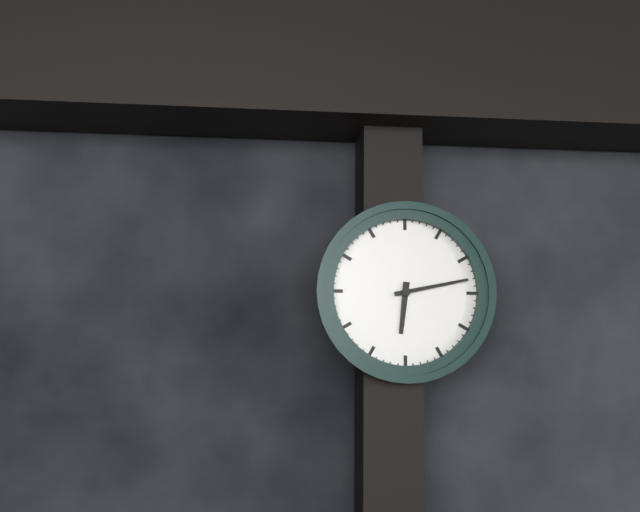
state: 6:13
